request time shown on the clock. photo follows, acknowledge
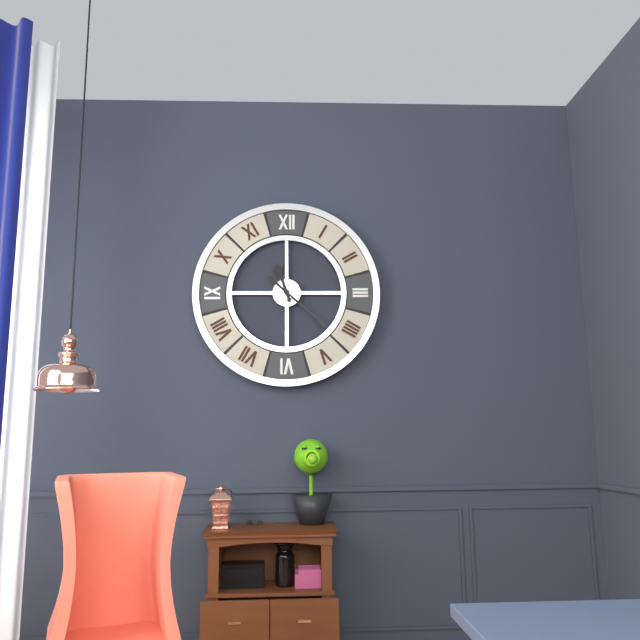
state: 11:22
